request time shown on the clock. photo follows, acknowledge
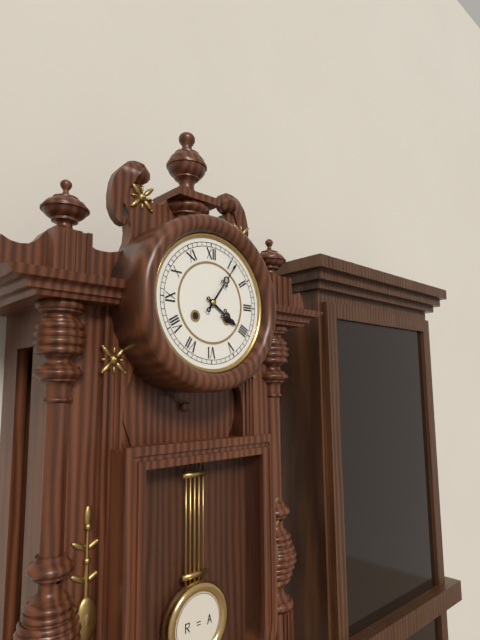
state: 4:06
